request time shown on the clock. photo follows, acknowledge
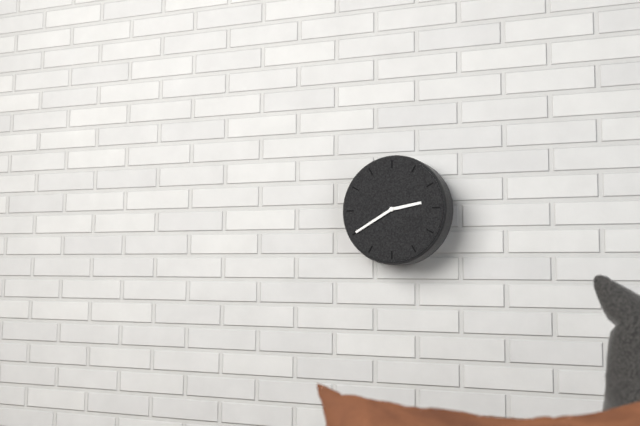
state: 2:40
